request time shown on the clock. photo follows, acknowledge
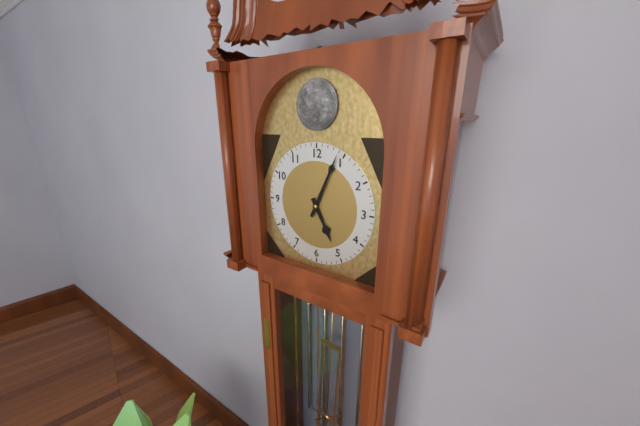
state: 5:04
